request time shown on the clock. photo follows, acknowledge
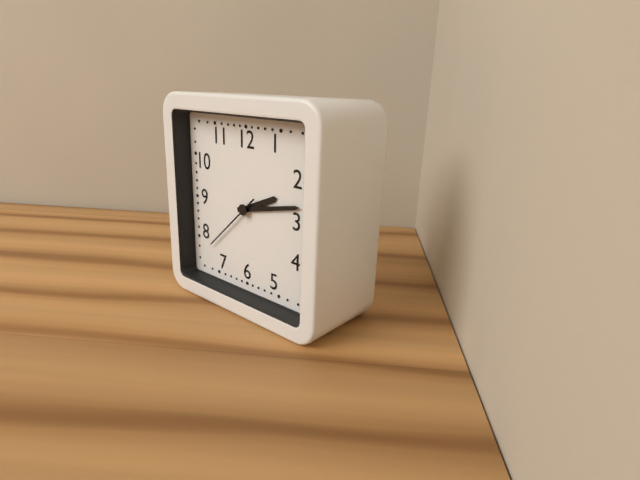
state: 2:13:38
